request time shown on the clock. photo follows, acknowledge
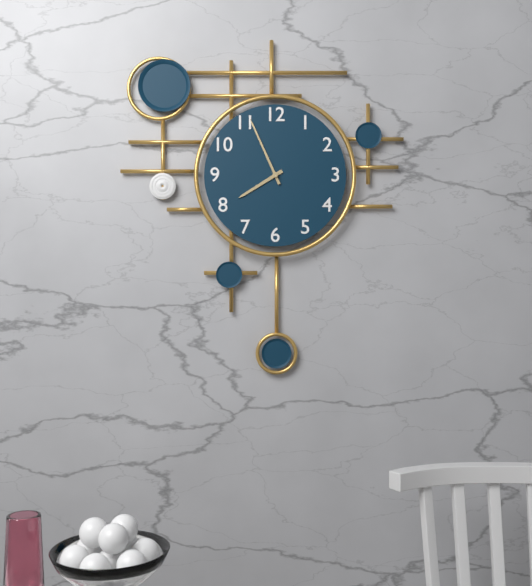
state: 7:56
